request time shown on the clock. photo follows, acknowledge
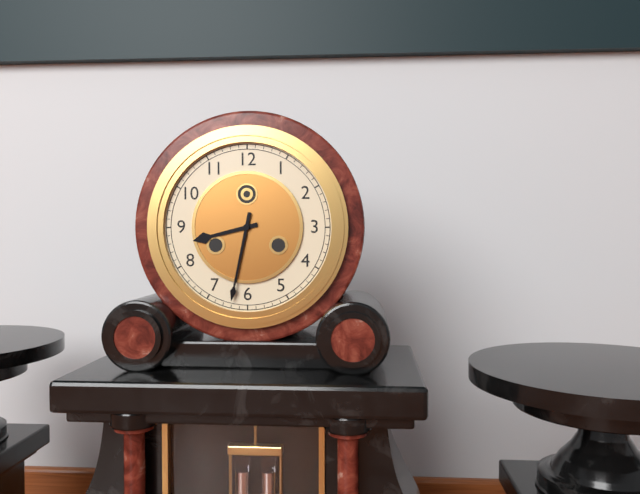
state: 8:32
